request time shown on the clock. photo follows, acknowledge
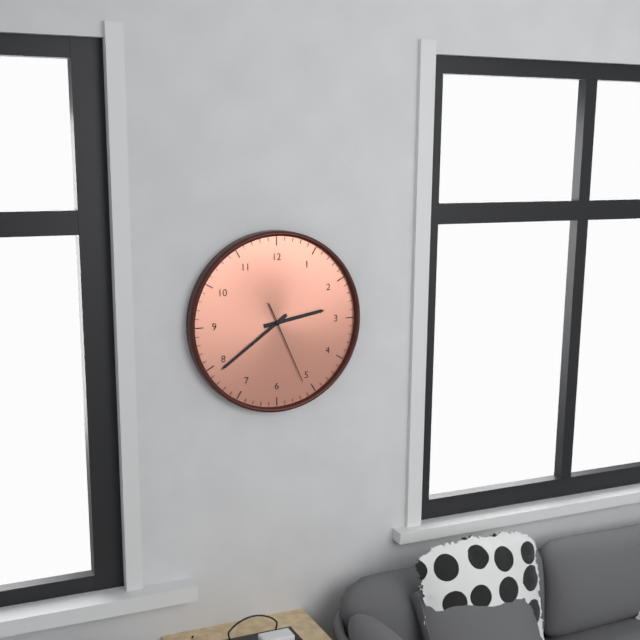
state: 2:39:26
